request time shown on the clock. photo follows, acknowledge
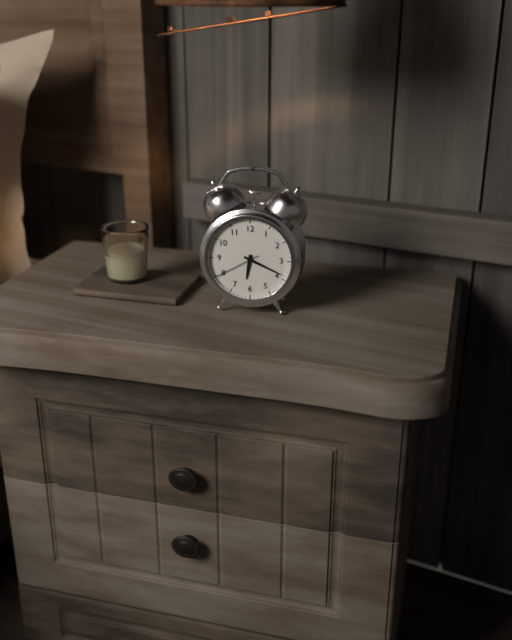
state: 6:19
